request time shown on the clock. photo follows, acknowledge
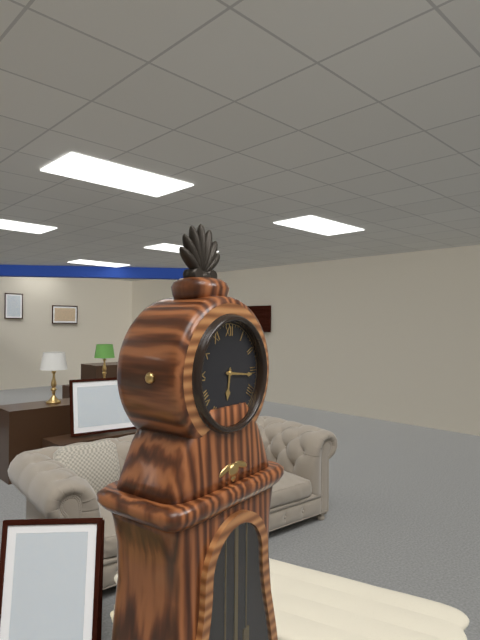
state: 6:16
